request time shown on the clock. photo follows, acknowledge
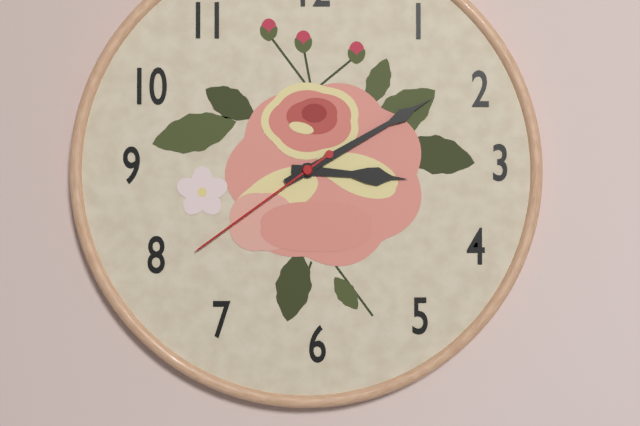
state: 3:10:39
